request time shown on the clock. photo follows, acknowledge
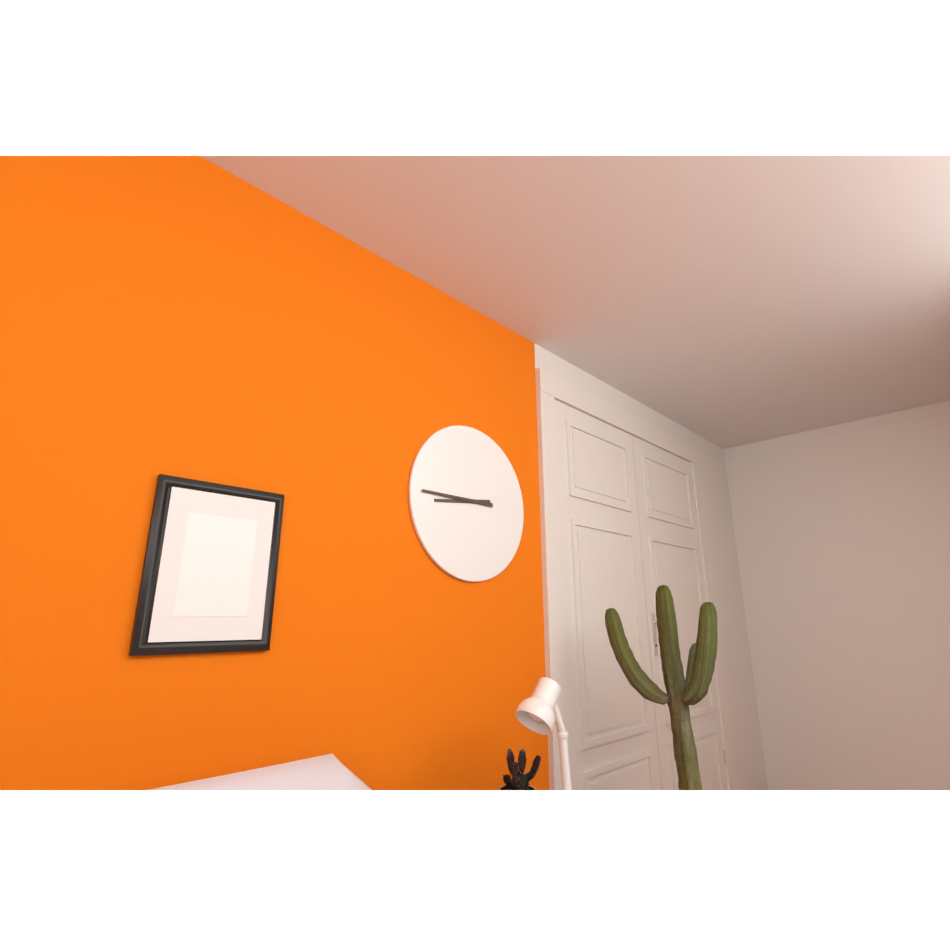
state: 8:45
